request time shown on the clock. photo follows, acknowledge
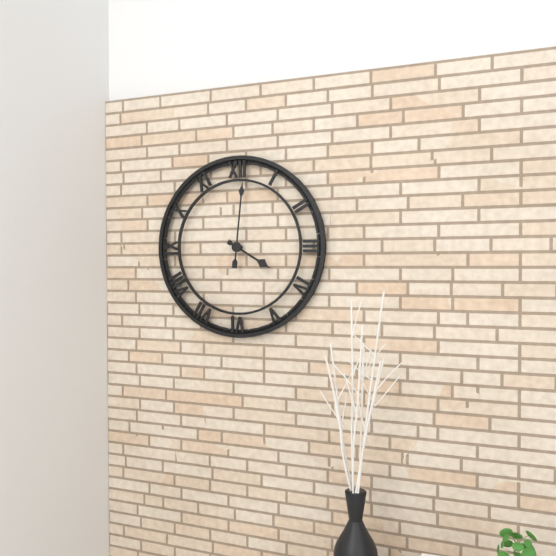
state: 4:01
